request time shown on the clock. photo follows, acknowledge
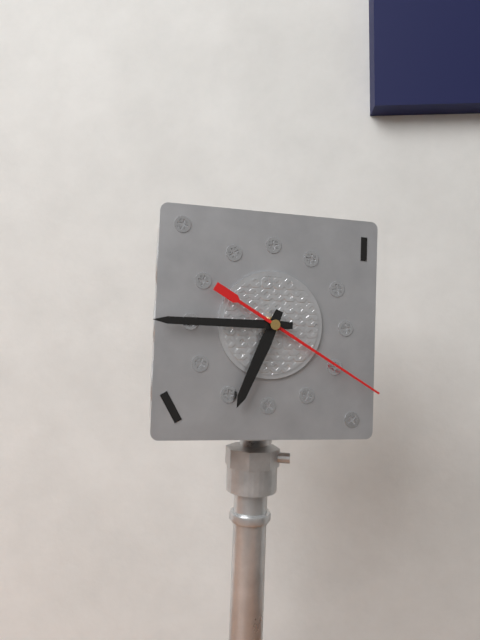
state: 6:45:20
